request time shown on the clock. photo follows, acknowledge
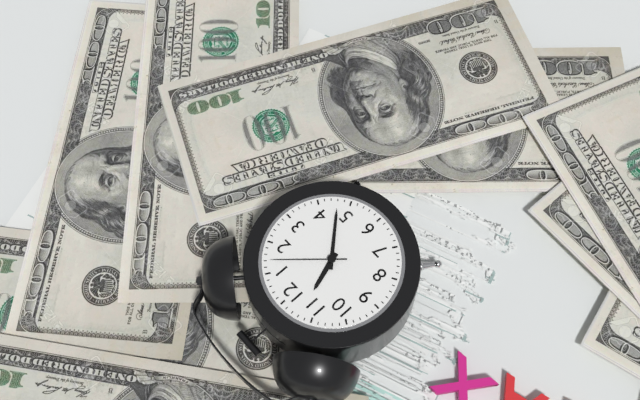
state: 11:23:07
